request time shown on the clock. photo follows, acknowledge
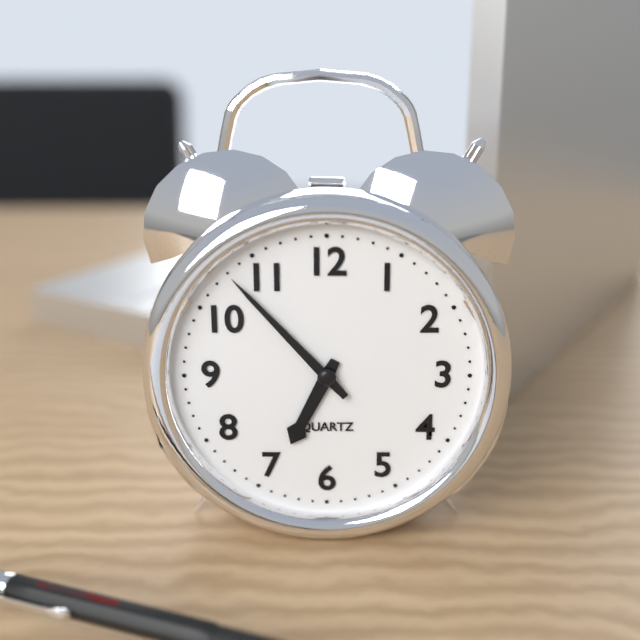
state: 6:53
